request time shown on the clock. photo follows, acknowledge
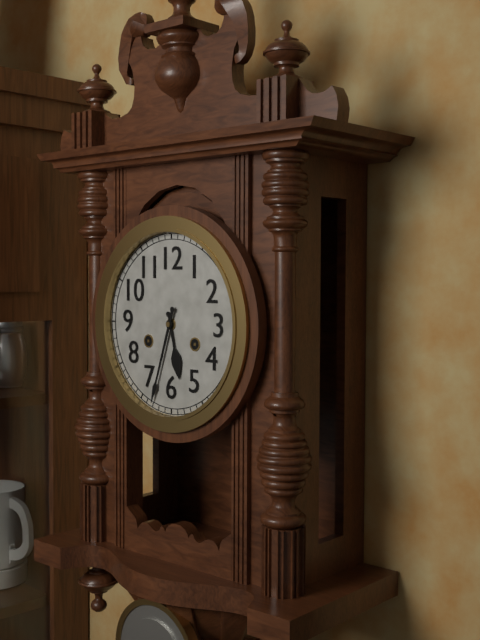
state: 5:33
